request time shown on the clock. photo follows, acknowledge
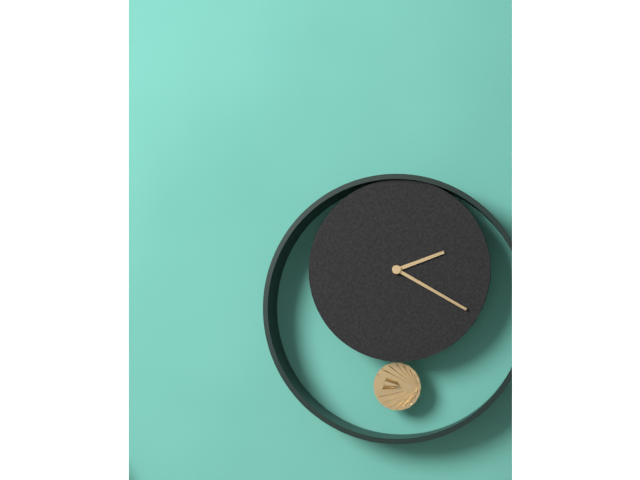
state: 2:20
